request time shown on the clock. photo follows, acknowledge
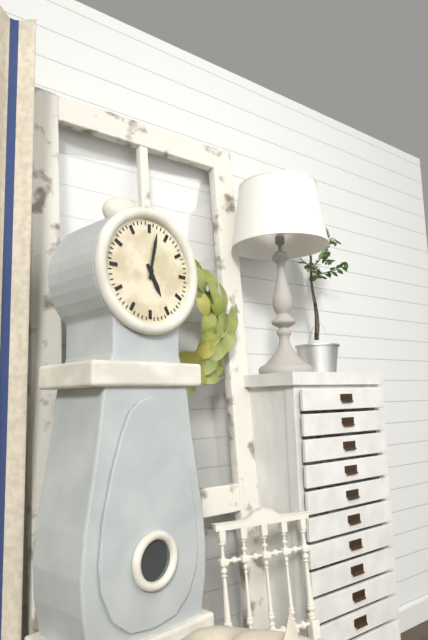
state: 5:02
